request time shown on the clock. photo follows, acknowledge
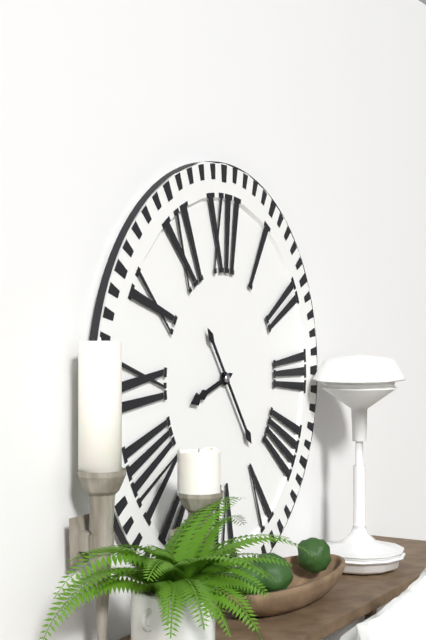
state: 8:24
